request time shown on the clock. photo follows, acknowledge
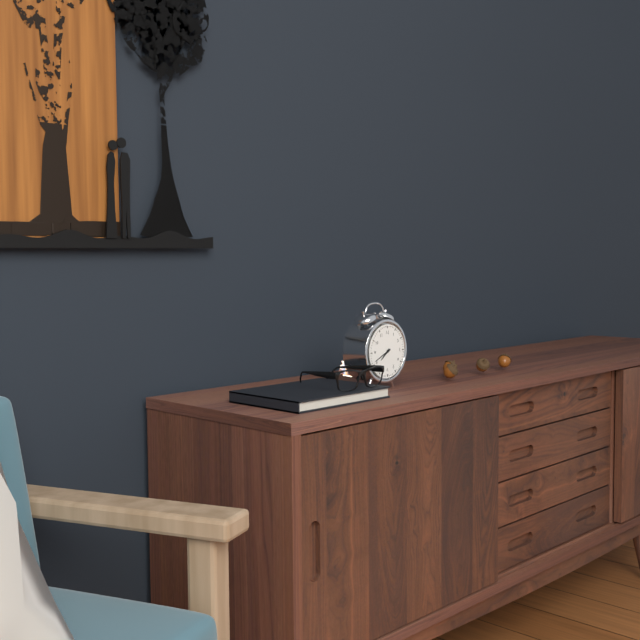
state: 7:41
